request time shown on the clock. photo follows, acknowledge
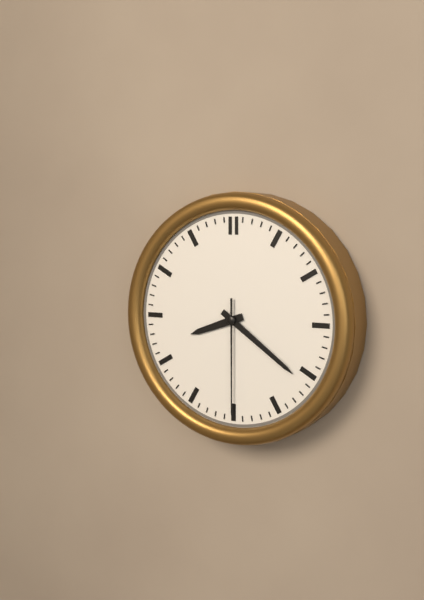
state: 8:21:30
